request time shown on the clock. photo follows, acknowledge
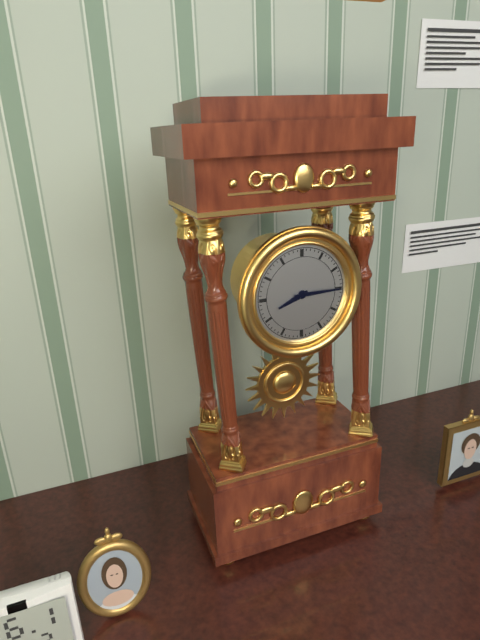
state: 8:15
